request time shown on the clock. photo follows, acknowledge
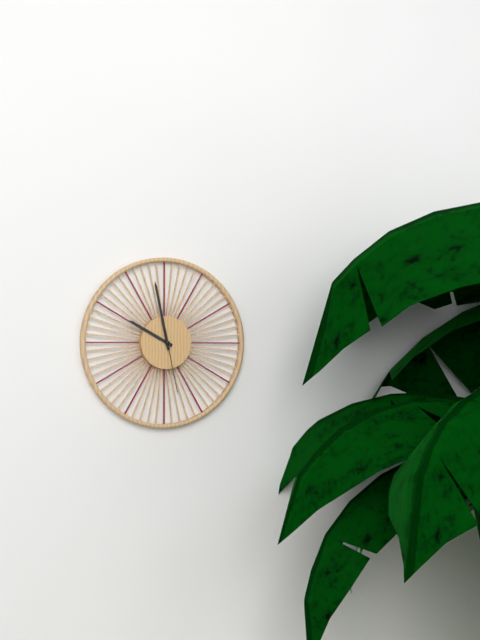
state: 9:58:28
